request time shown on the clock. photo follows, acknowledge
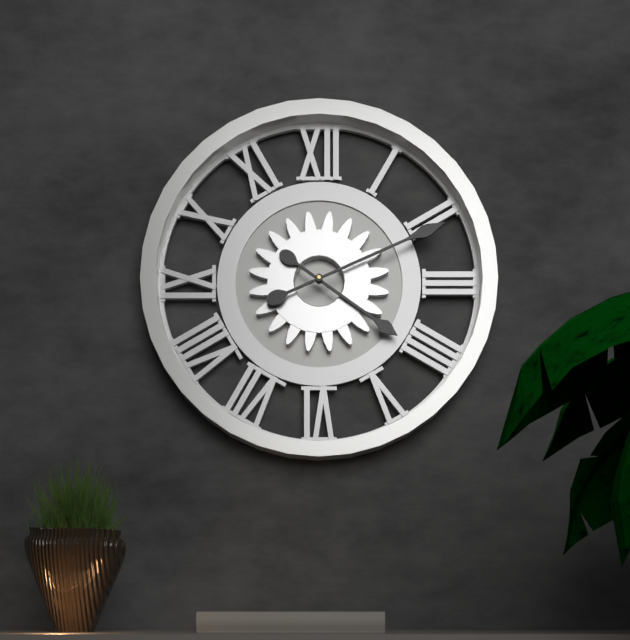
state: 4:11
